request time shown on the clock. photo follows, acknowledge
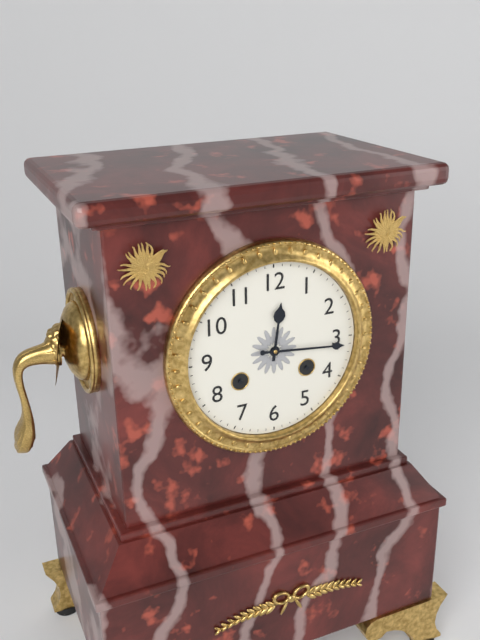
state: 12:16
